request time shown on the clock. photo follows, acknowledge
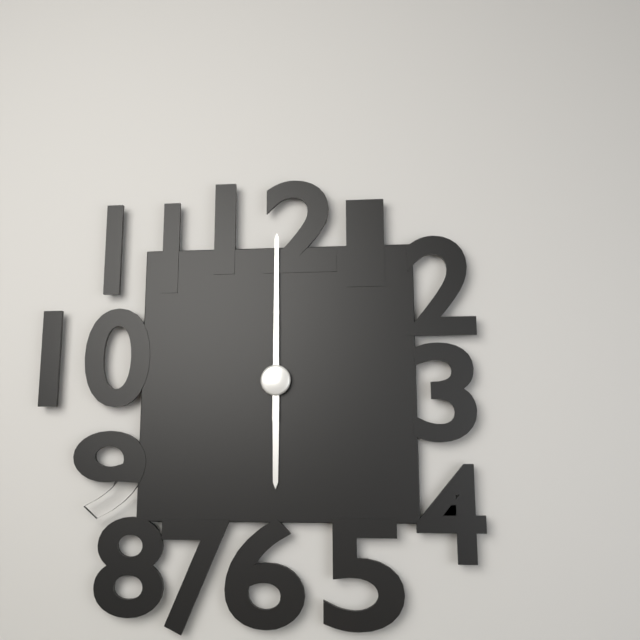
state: 6:00
